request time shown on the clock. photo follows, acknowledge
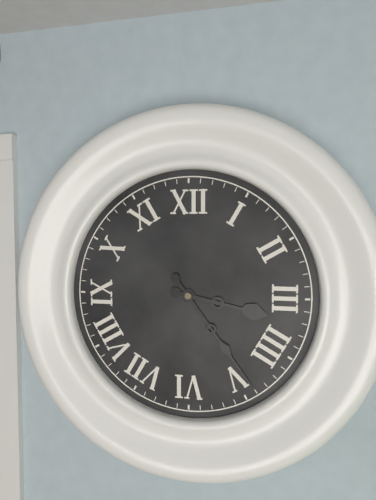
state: 3:24
